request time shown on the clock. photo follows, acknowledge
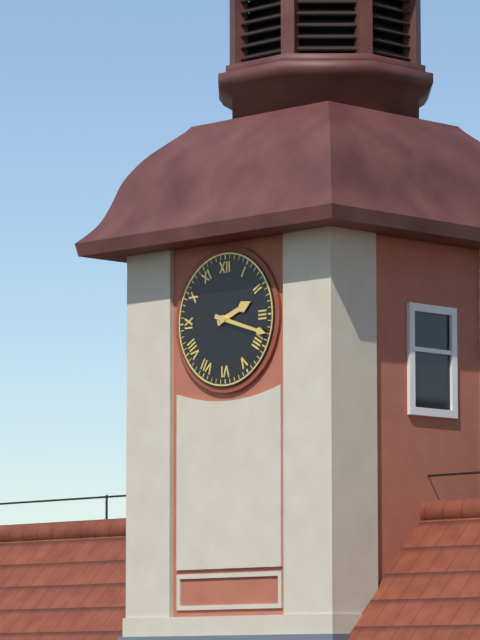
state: 2:18
